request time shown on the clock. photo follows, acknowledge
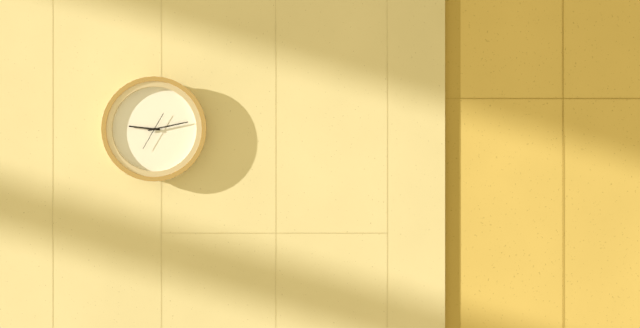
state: 9:13
